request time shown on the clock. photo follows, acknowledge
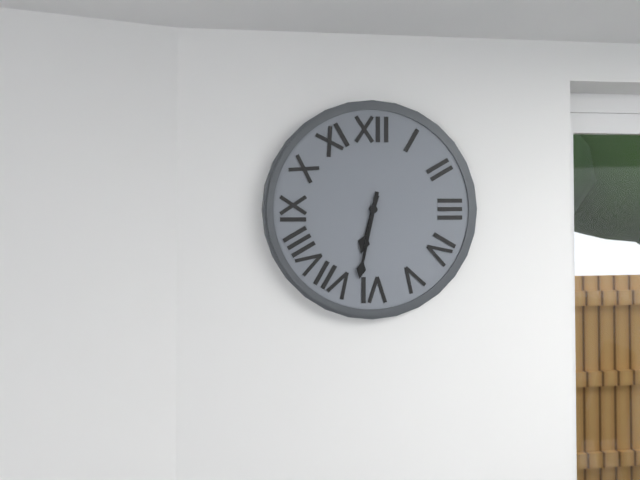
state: 6:32
